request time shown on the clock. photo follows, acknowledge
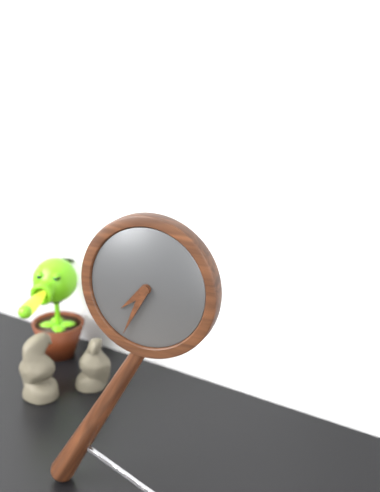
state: 7:34
